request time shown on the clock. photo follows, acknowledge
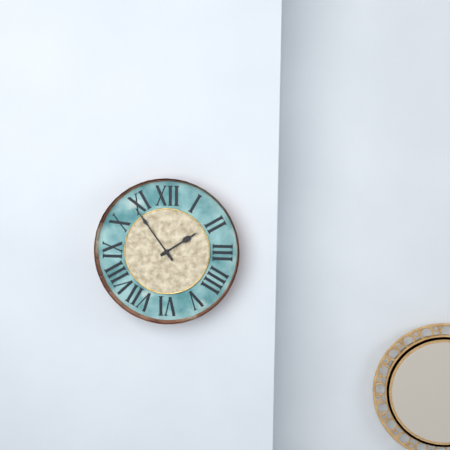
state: 1:54
